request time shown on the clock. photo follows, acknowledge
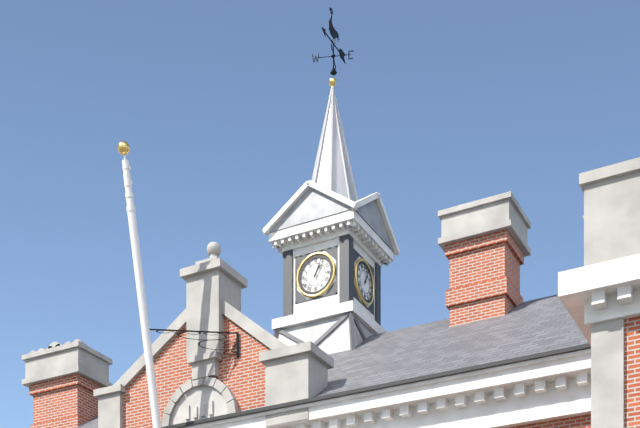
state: 1:04
